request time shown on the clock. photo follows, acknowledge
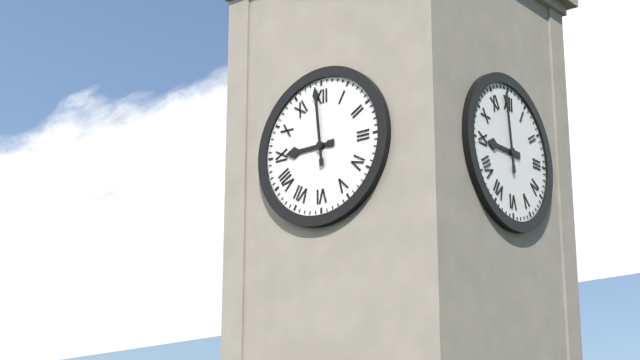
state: 8:59
